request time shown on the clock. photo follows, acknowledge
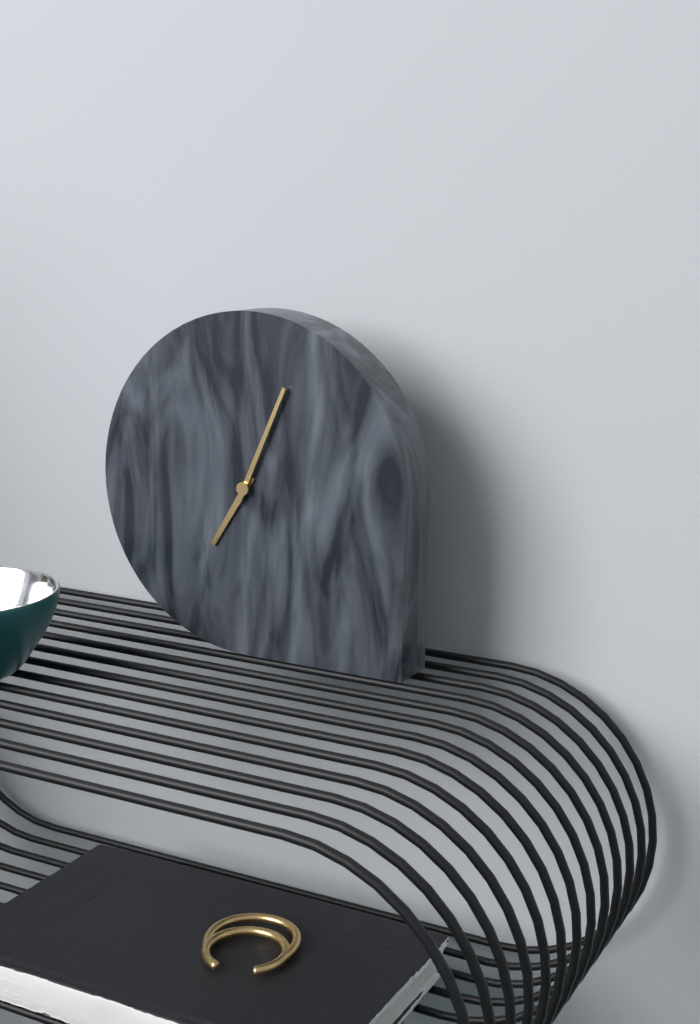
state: 7:04
